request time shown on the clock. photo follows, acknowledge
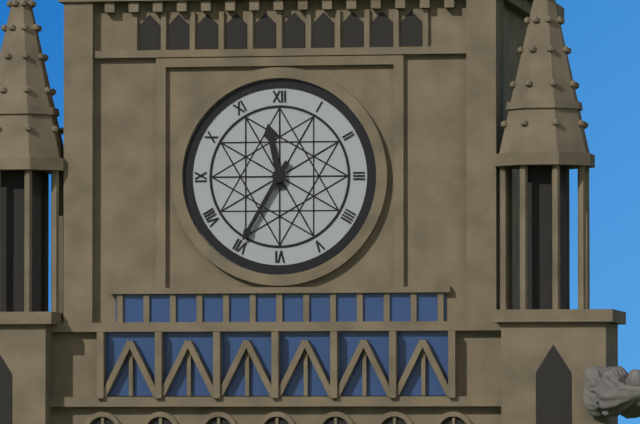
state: 11:35
